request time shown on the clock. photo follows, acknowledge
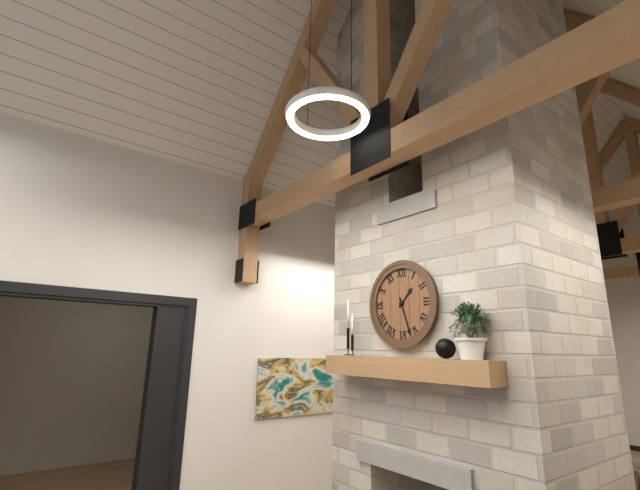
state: 1:27
